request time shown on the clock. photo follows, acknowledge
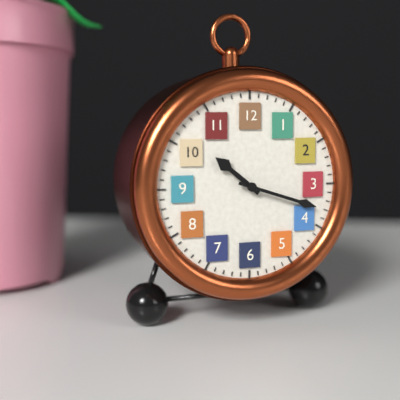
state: 10:18
